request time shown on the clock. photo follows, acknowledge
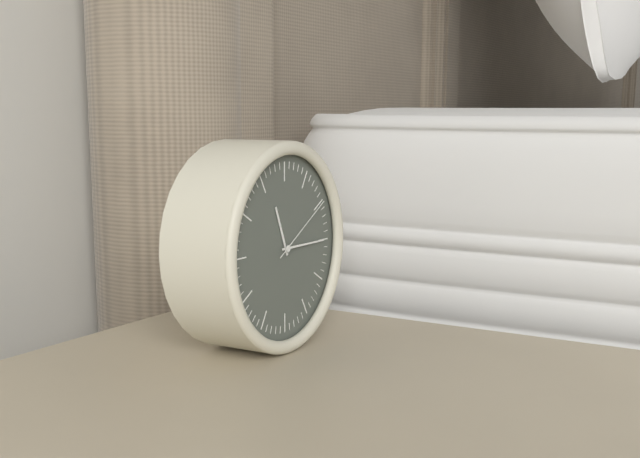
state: 11:15:10
